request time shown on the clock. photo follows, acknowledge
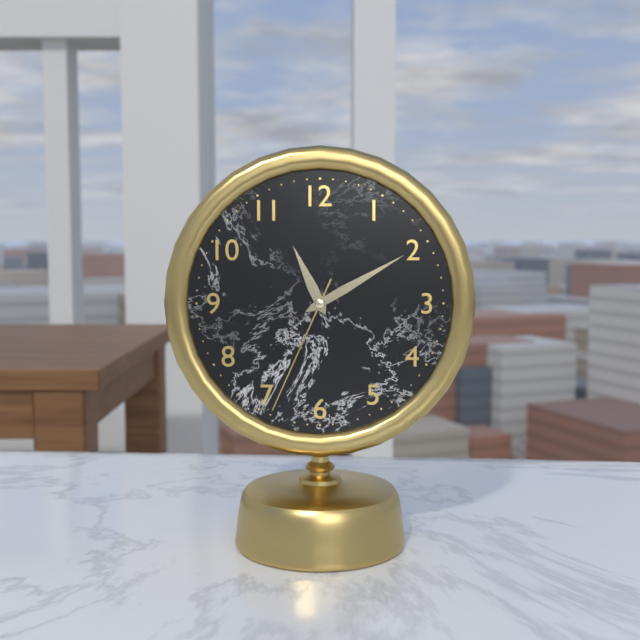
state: 11:10:34
